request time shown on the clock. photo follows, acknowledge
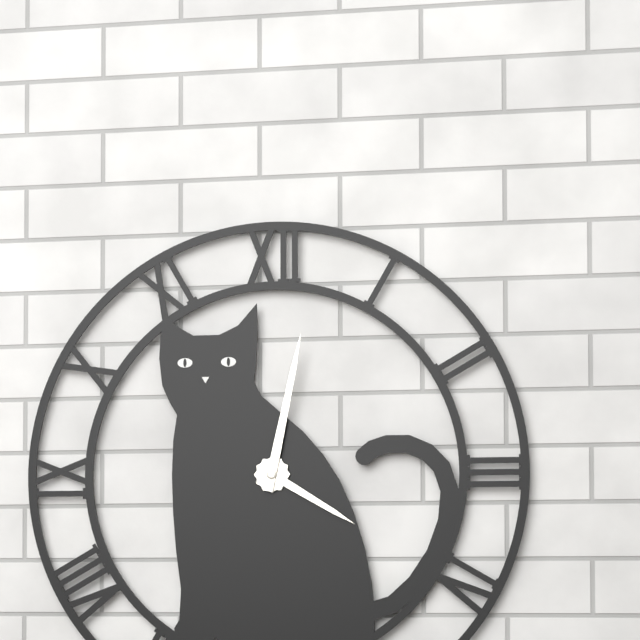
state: 4:02
